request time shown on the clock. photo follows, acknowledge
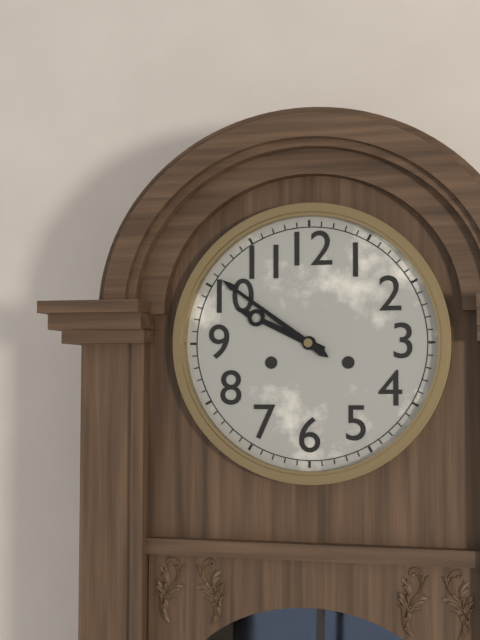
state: 9:51
